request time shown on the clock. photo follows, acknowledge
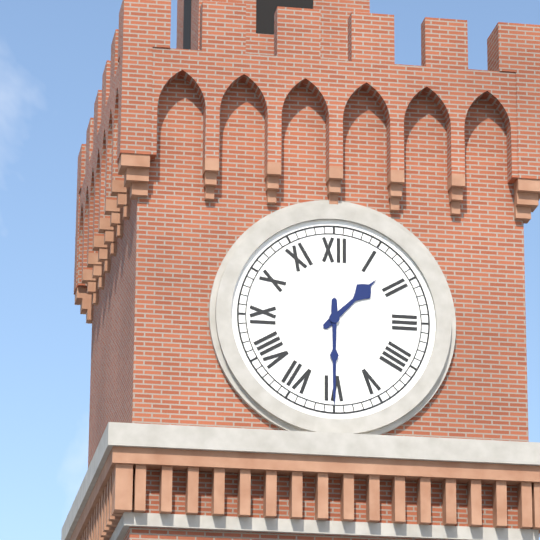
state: 1:30
